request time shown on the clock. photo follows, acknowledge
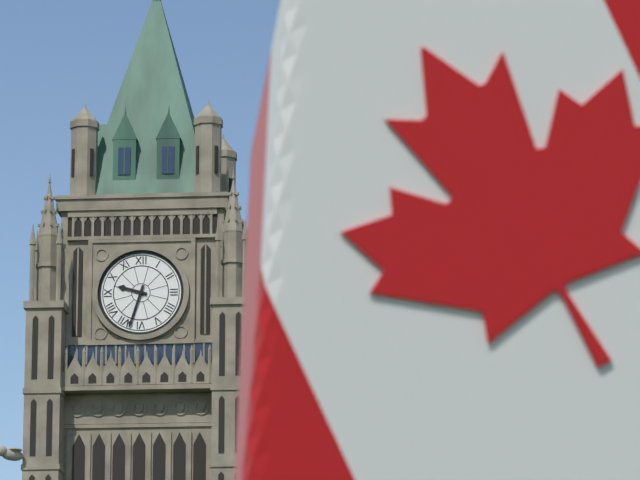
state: 9:33
